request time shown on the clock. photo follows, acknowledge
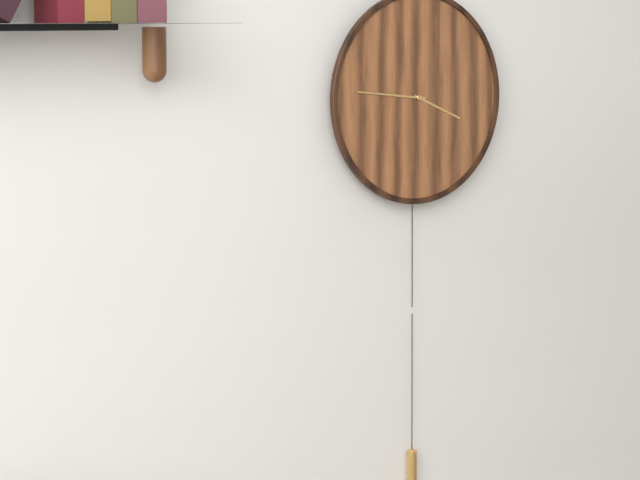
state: 3:46
